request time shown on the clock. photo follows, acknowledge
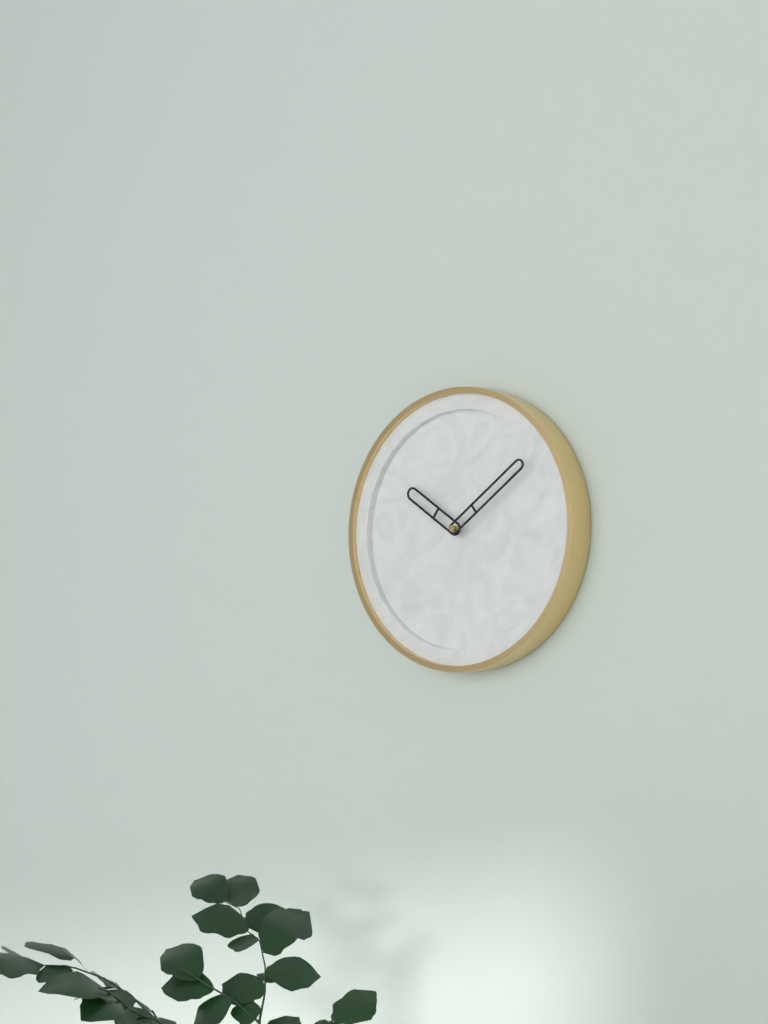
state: 10:09
